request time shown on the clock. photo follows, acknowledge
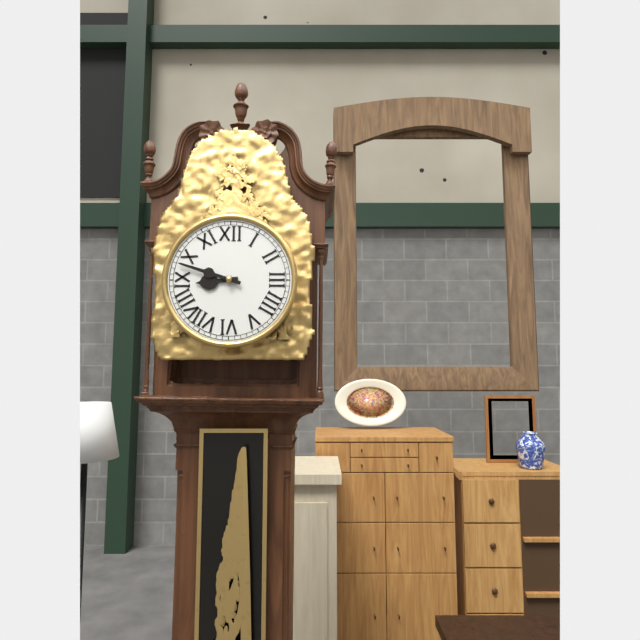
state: 8:48
